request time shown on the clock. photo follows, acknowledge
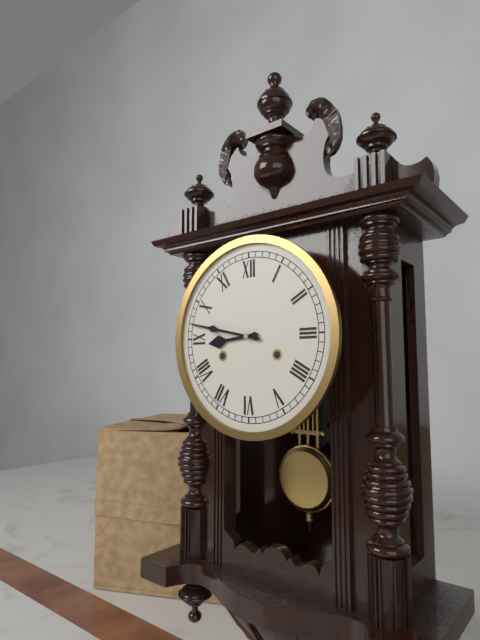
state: 8:47
